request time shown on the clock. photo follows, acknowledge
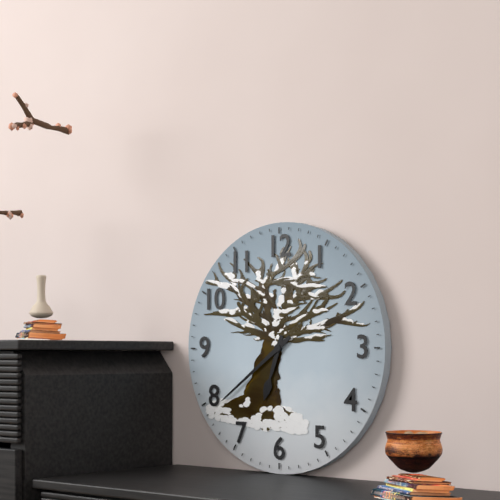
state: 6:39
